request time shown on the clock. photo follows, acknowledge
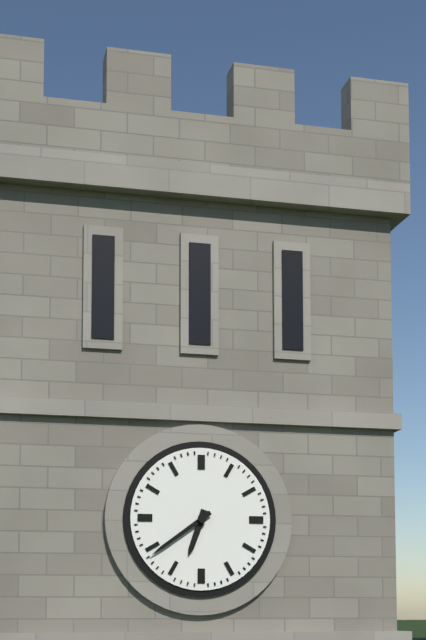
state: 6:39
